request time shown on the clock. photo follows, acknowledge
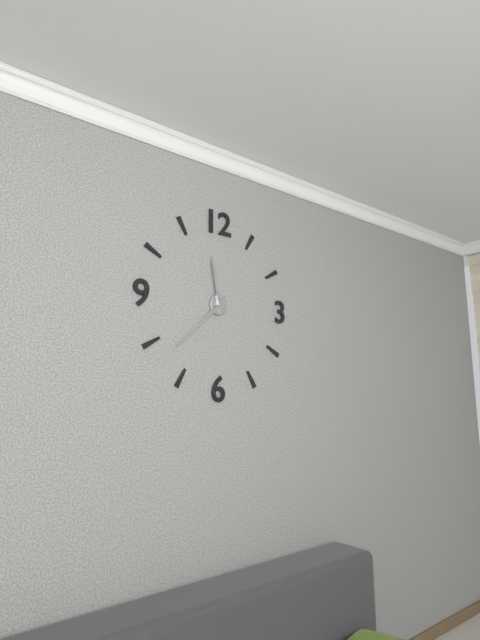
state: 11:38
